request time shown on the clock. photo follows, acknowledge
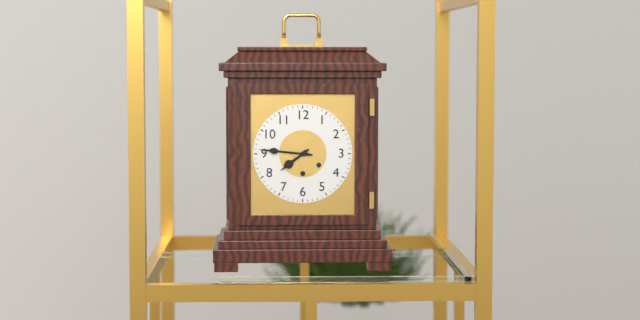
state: 7:46
